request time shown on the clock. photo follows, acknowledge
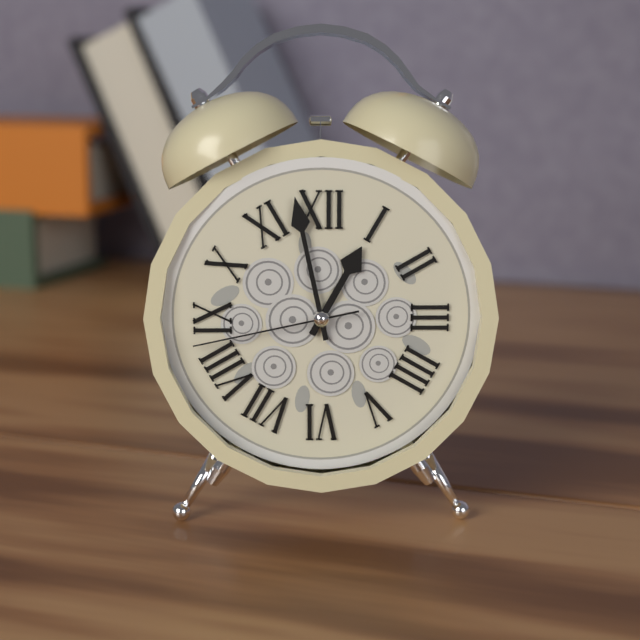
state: 12:58:43
